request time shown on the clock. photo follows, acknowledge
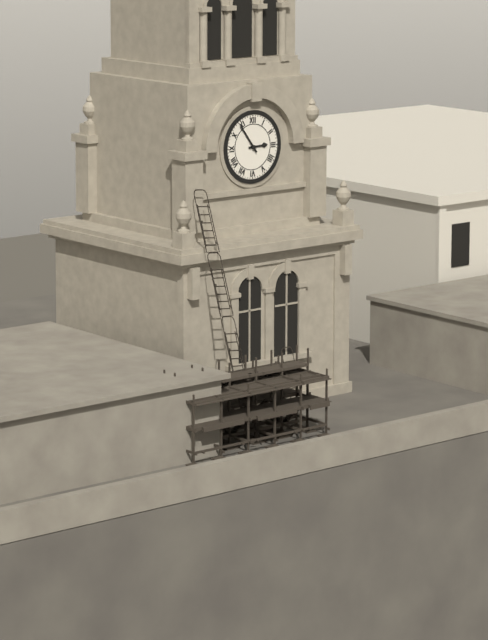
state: 2:54
